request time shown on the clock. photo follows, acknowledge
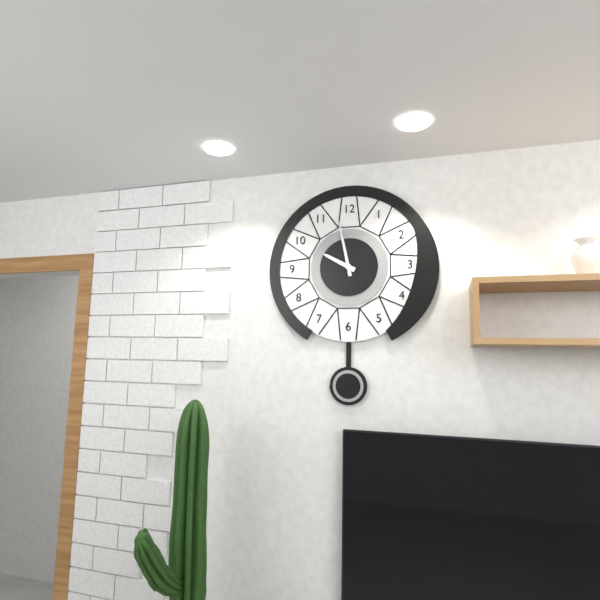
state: 9:58
